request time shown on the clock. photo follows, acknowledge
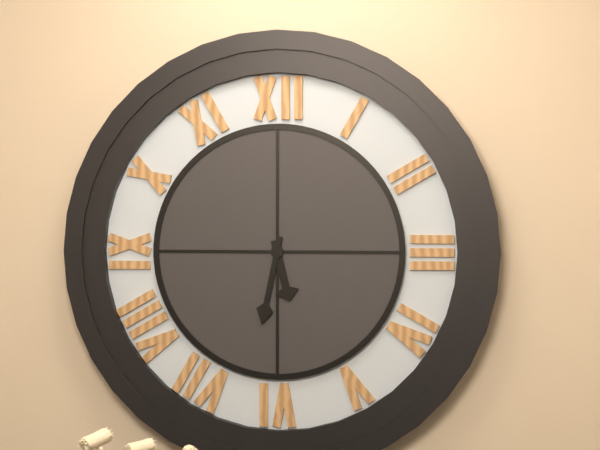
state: 5:32
